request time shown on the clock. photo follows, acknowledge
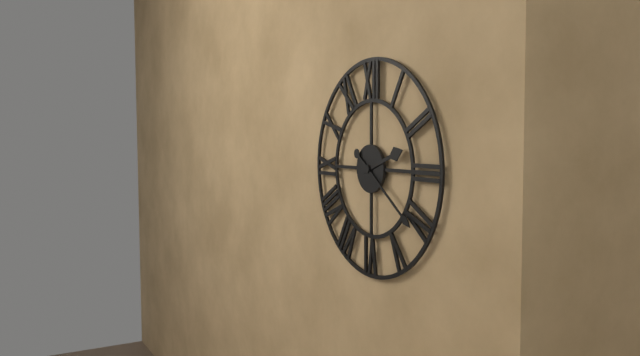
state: 2:21
